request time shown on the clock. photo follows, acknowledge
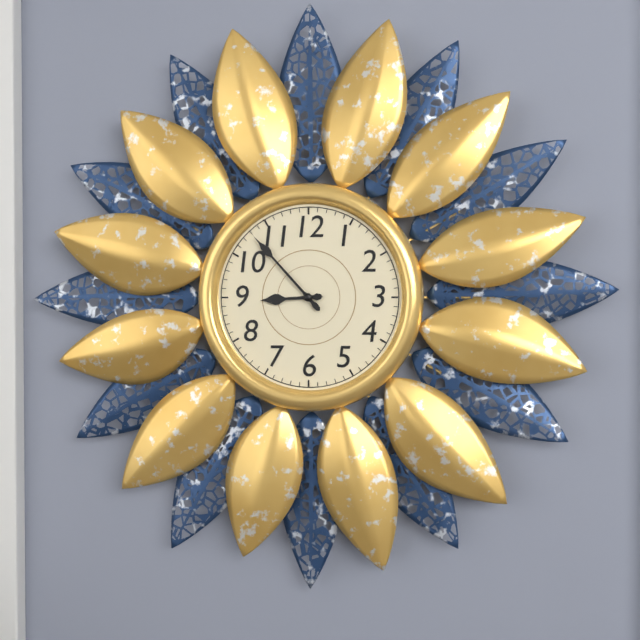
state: 8:53
